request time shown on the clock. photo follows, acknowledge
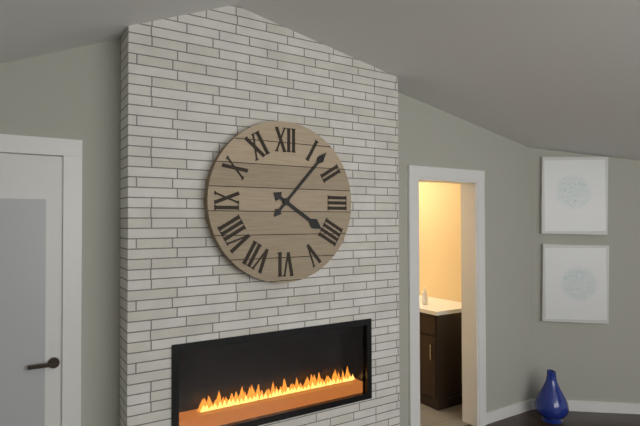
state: 4:07
